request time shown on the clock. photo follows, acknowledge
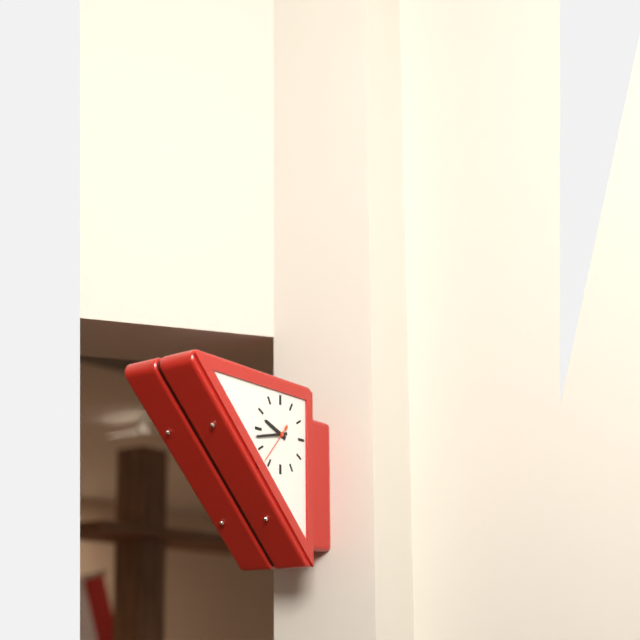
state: 9:43
